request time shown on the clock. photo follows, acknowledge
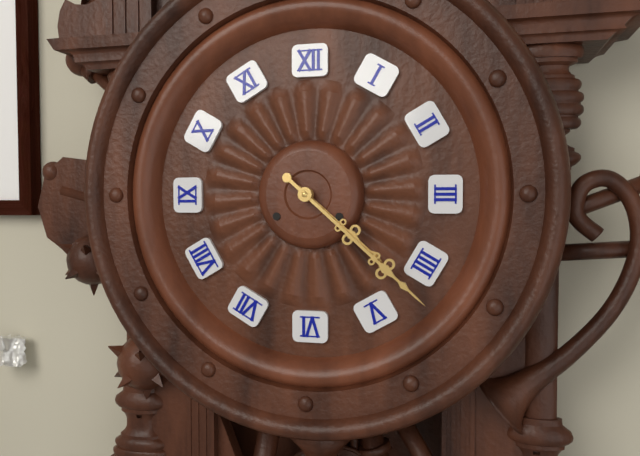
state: 4:22
